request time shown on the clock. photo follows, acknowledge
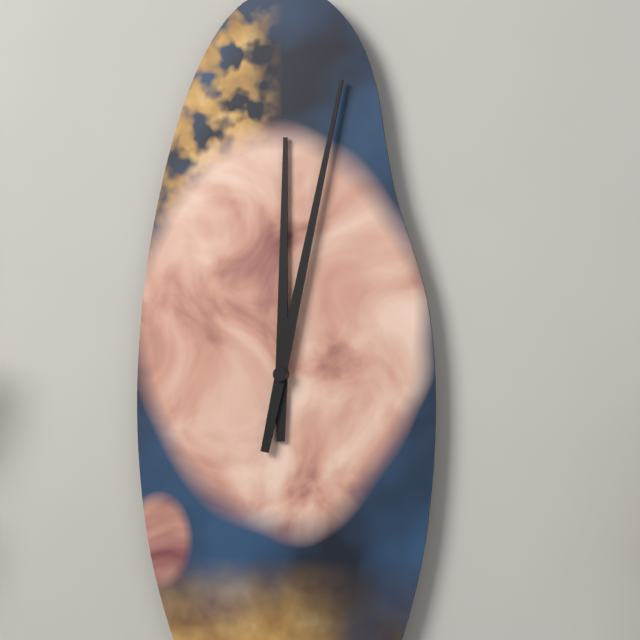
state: 12:02
